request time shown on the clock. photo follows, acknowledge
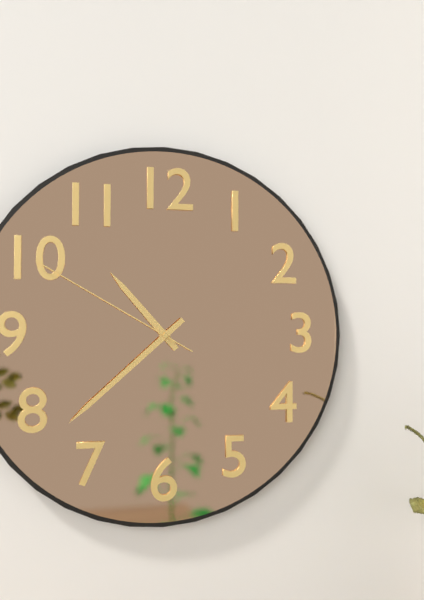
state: 10:38:50
